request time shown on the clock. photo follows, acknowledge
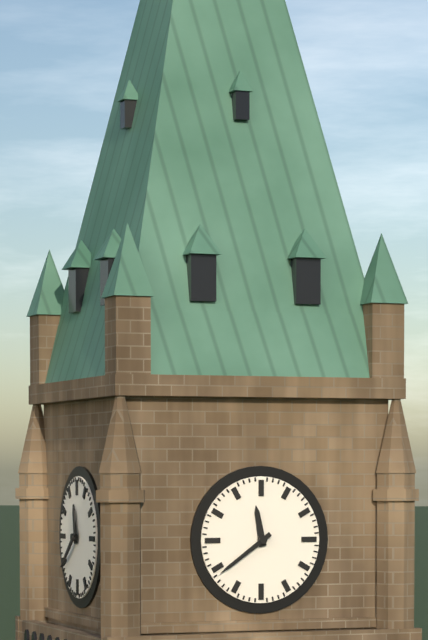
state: 11:39
